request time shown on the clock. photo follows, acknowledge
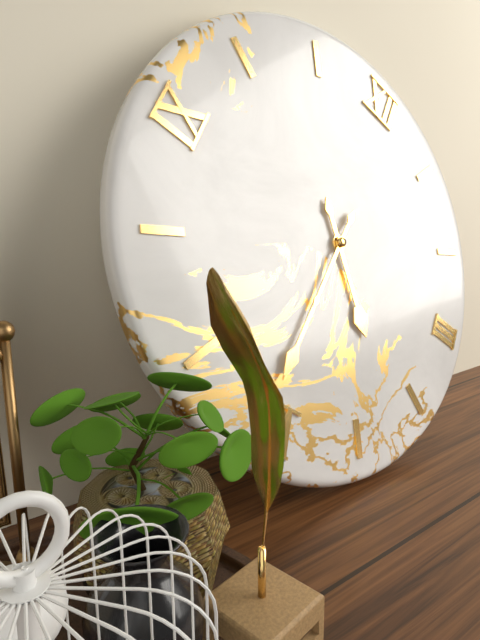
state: 4:31
